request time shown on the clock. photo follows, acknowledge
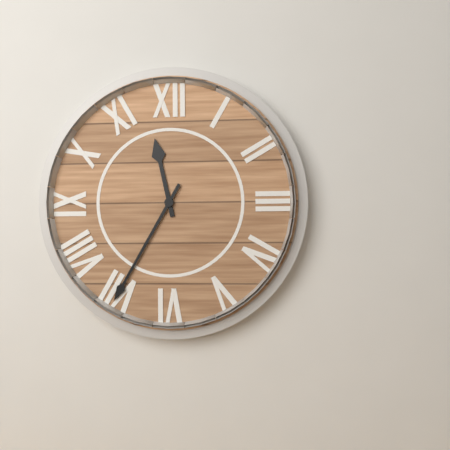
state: 11:35
